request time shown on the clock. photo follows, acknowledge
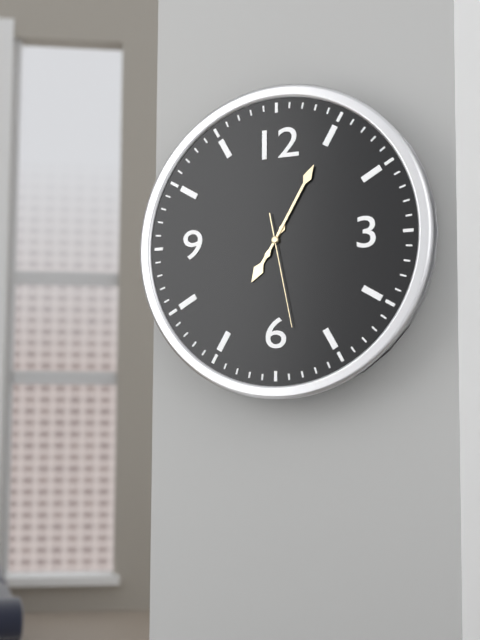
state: 7:05:28
